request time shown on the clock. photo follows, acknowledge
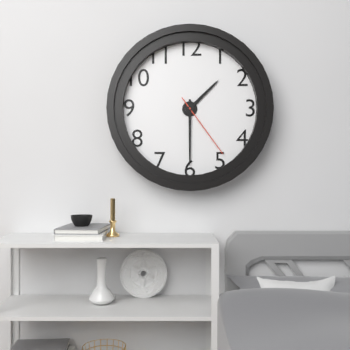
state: 1:30:24
